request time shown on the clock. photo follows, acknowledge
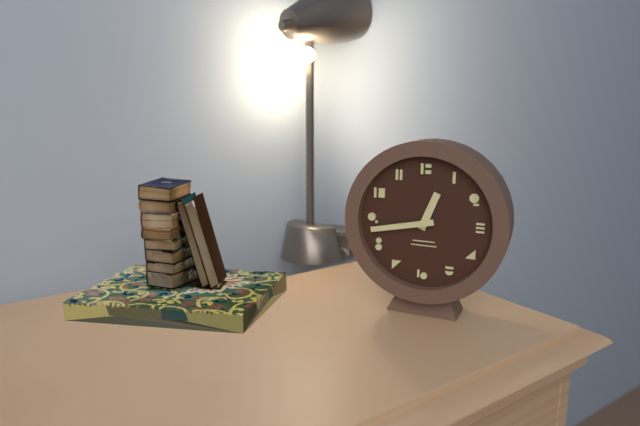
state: 12:43
